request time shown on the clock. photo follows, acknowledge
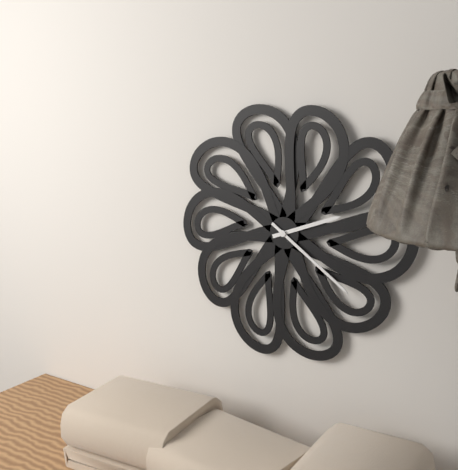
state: 2:21
